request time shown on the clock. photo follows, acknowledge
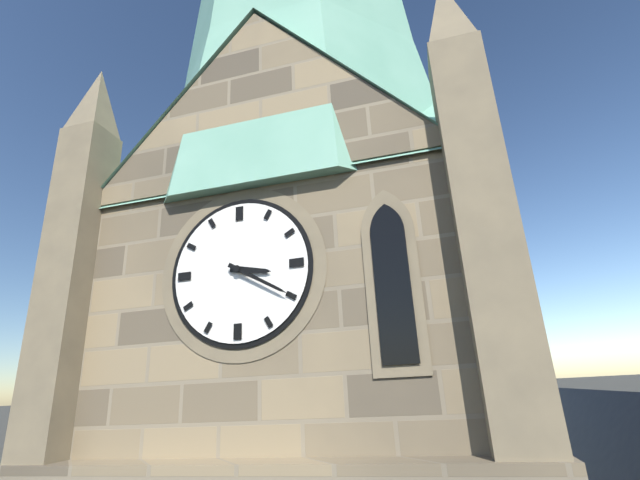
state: 3:20
